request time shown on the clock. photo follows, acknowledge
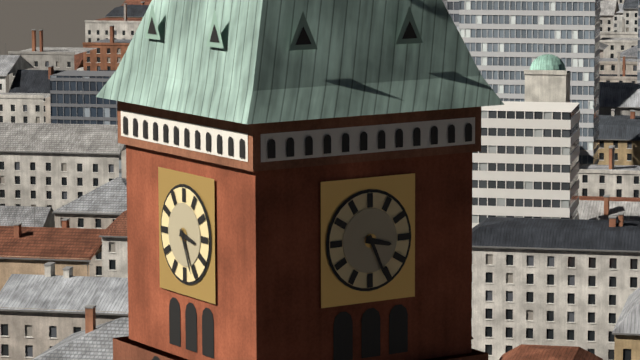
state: 3:26
